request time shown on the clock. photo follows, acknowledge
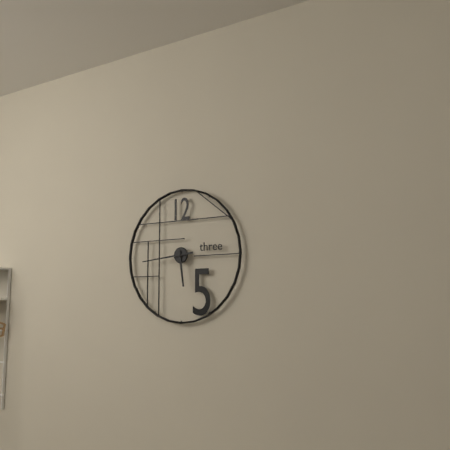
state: 5:44
